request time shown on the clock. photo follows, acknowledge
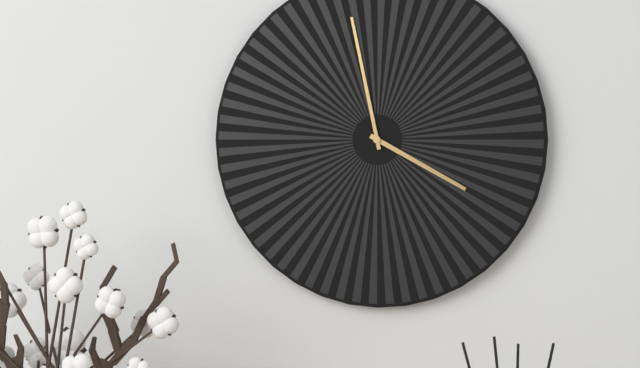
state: 3:58
